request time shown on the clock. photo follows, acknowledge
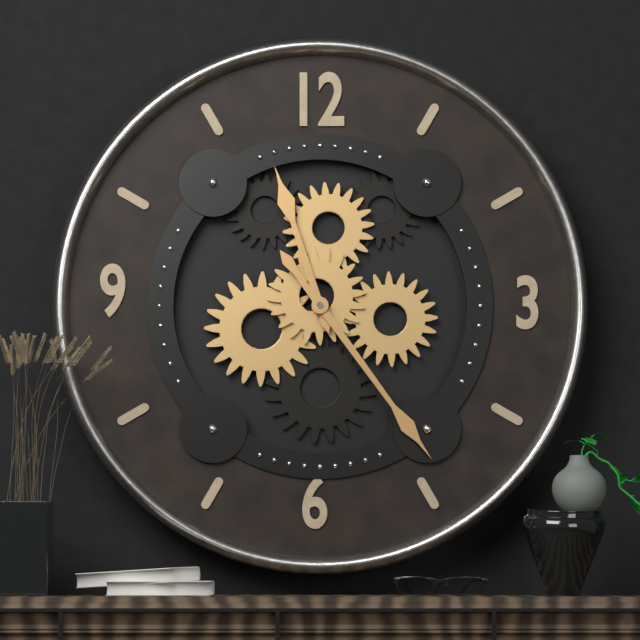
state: 11:24
